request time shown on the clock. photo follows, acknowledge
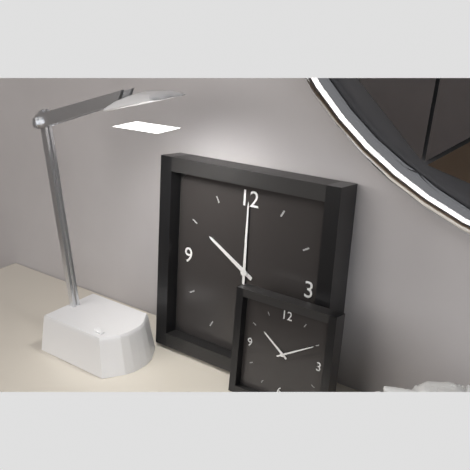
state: 10:00
